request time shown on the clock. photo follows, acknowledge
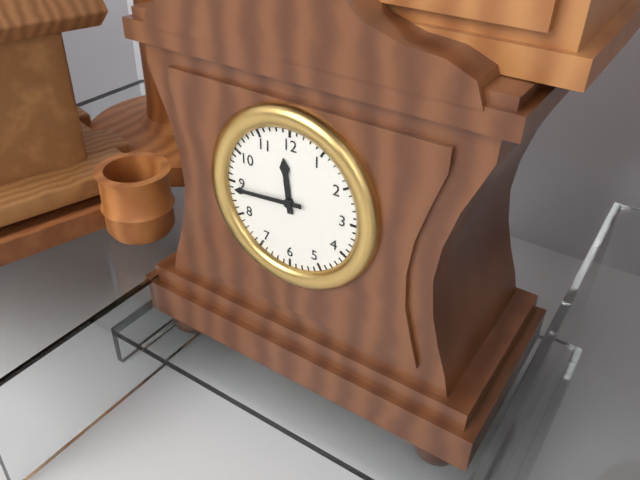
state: 11:44
